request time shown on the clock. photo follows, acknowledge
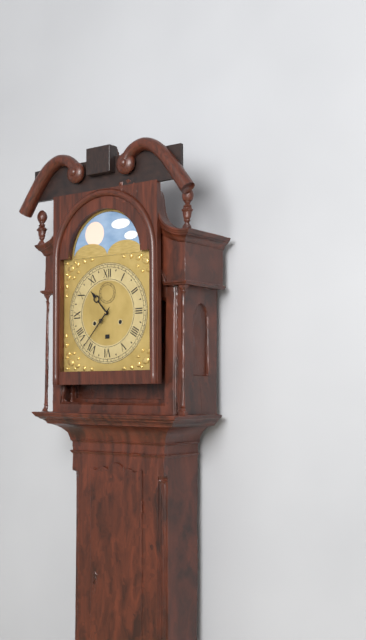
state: 10:37
